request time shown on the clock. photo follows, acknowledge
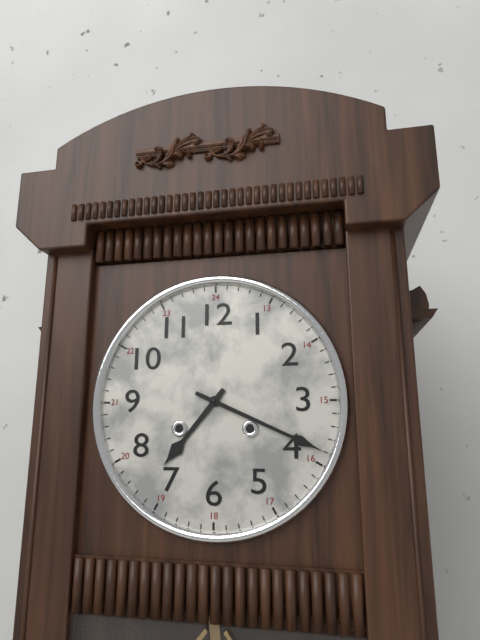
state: 7:19
